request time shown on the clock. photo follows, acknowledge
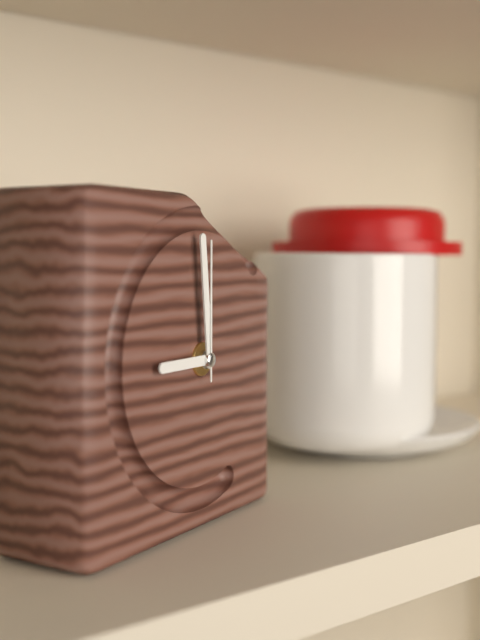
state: 8:59:00
